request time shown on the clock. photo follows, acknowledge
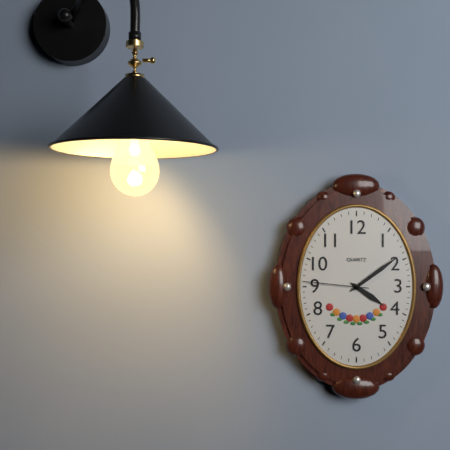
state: 4:09:46
